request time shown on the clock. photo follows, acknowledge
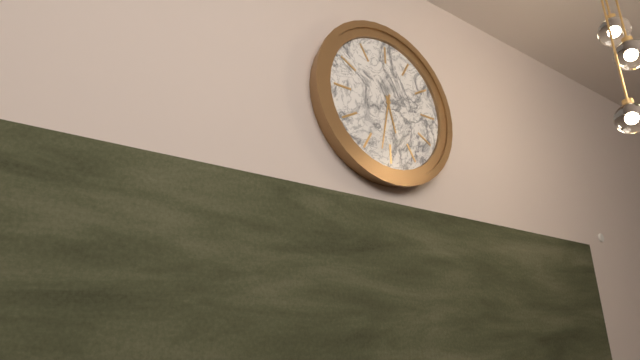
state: 5:32
